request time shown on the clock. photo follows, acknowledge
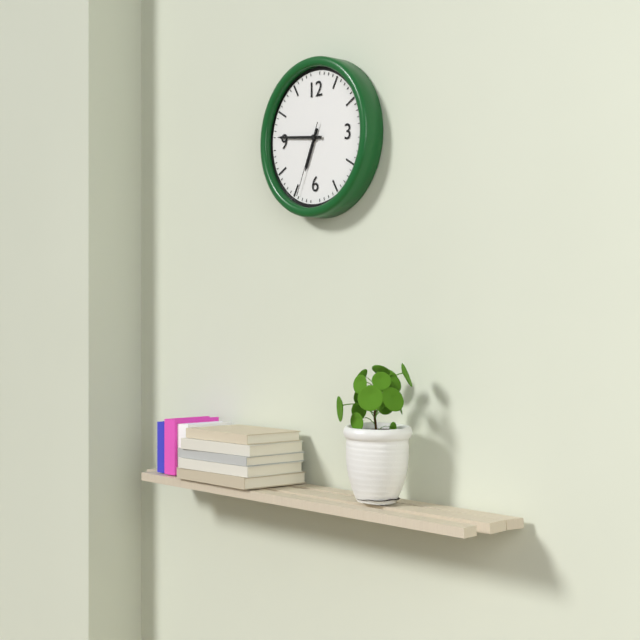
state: 6:46:34
